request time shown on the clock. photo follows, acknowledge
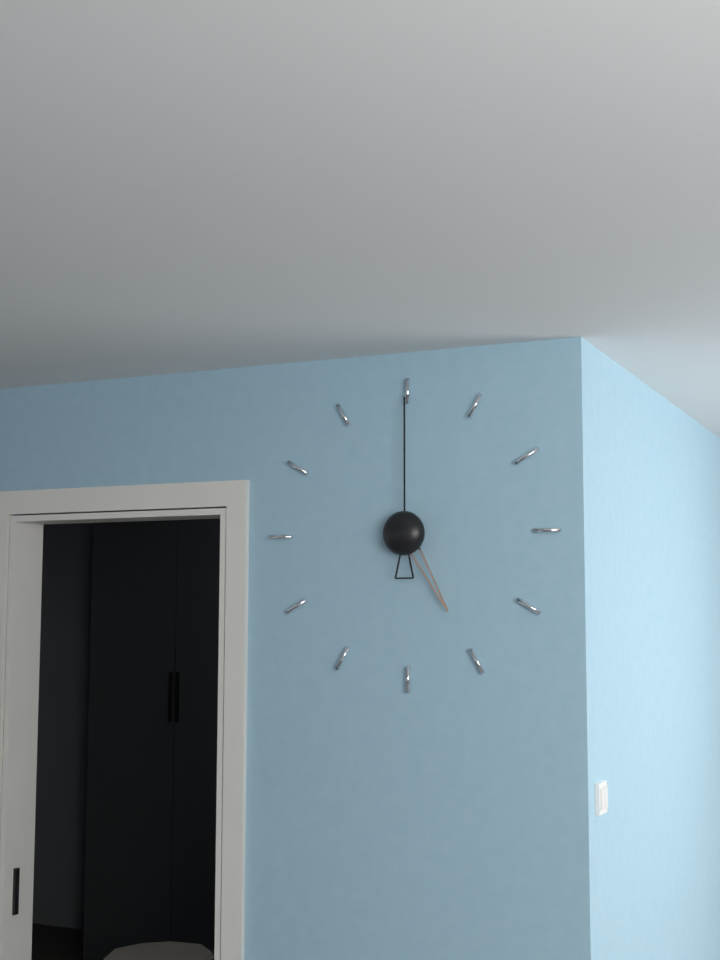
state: 5:00
